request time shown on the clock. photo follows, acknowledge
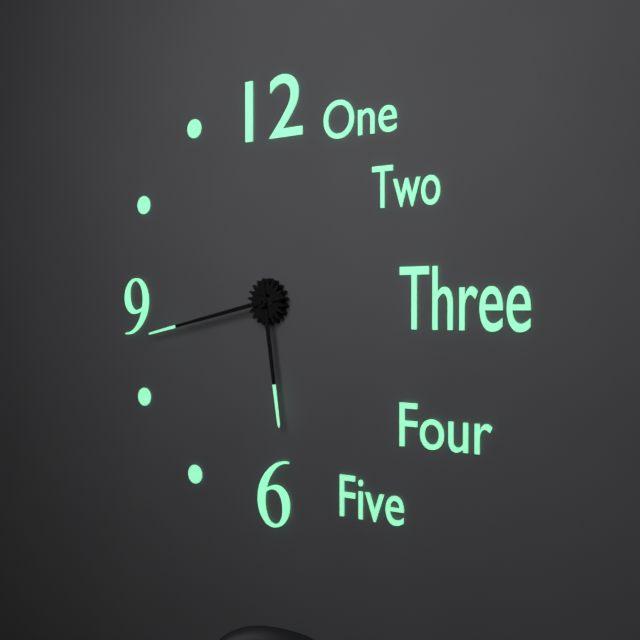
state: 5:43
